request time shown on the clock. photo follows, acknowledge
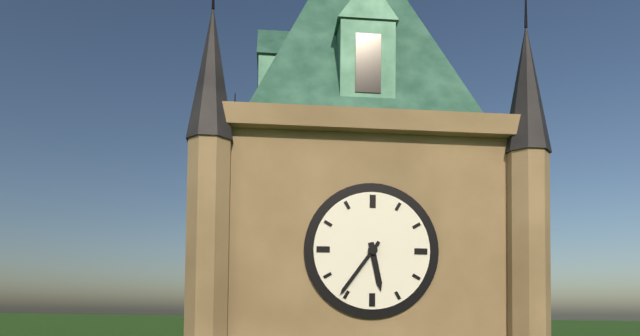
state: 5:36
